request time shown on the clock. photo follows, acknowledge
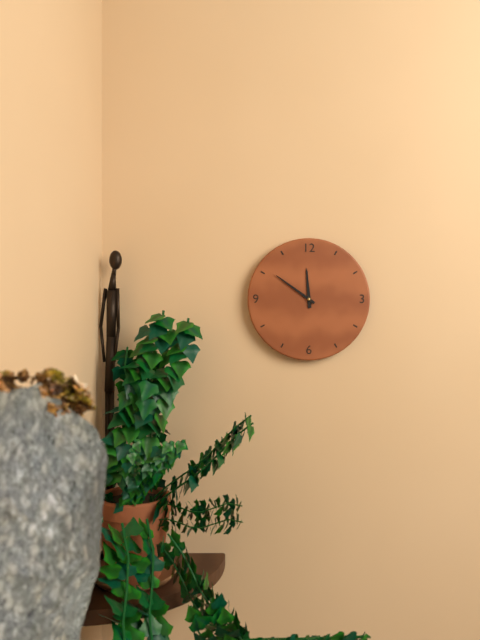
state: 11:51
